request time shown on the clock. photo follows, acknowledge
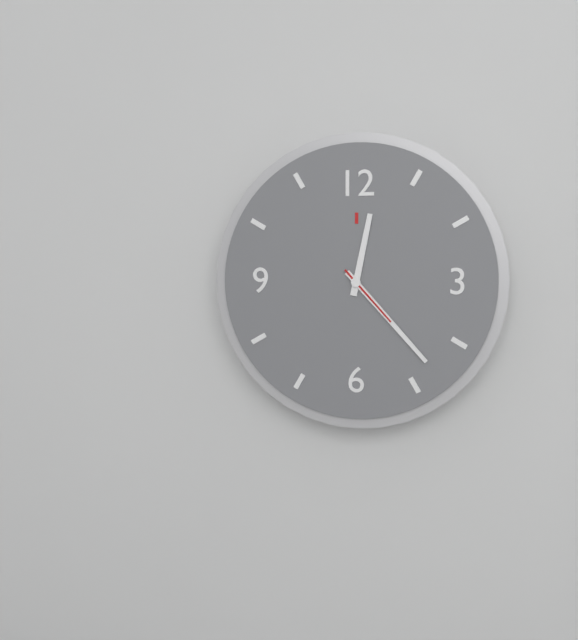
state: 12:23:23
